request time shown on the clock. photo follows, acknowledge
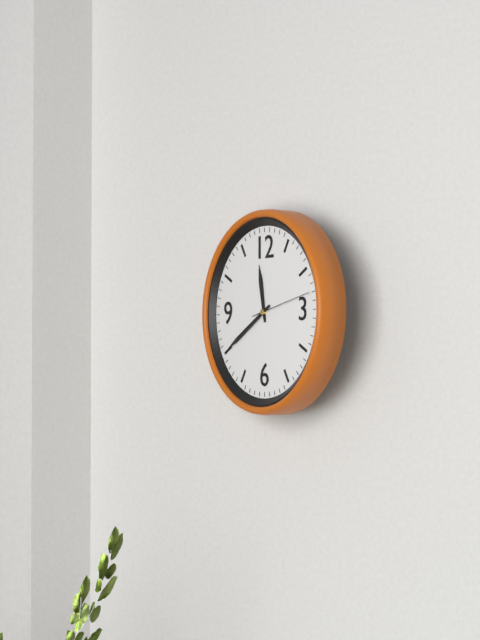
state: 11:40:13
